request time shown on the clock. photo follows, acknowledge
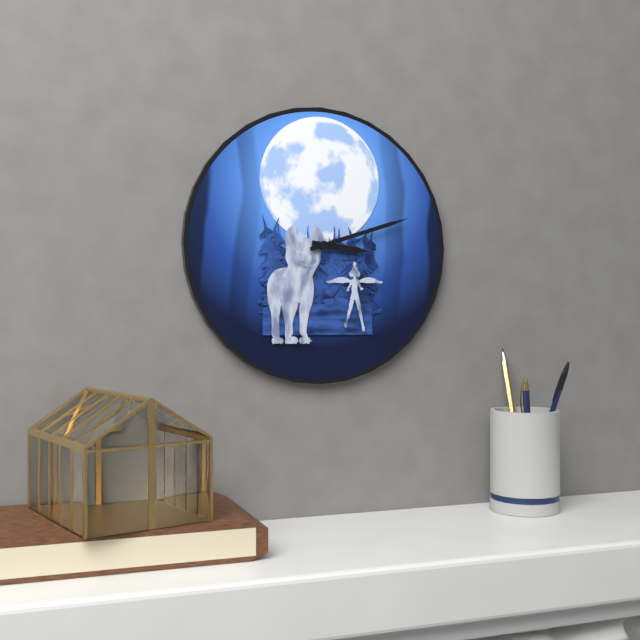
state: 3:12
